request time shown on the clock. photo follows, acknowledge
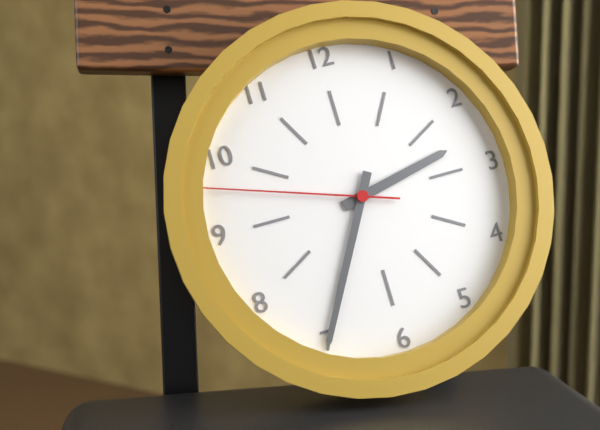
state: 2:35:48
